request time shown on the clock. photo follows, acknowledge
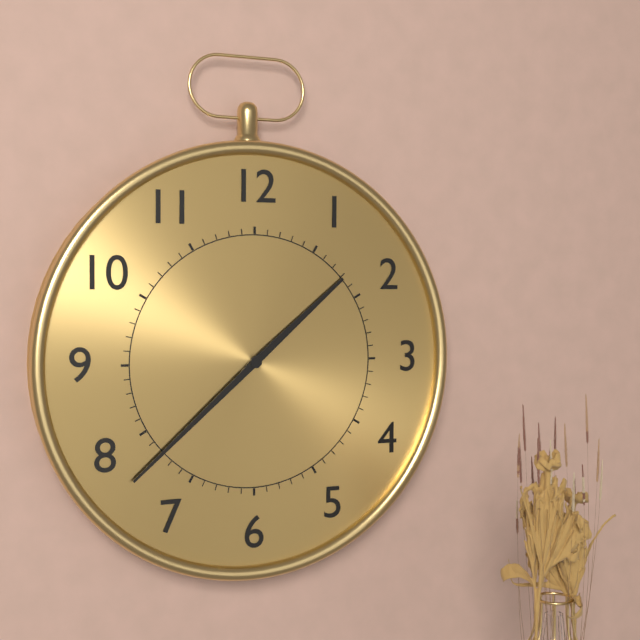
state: 1:38
